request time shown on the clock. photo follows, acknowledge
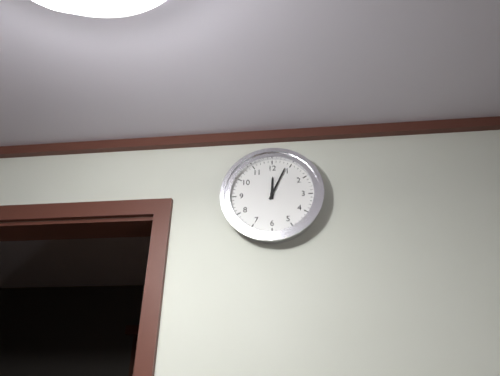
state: 12:04
